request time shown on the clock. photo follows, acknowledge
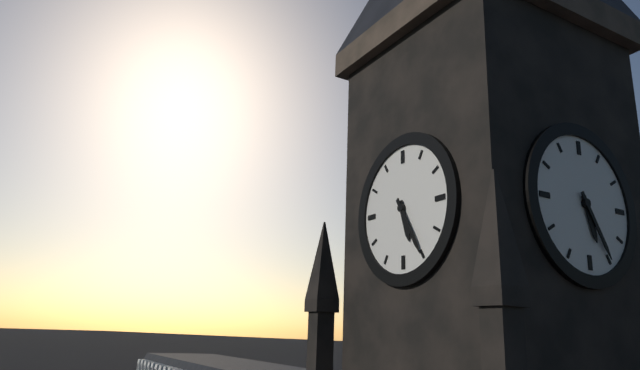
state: 5:25
